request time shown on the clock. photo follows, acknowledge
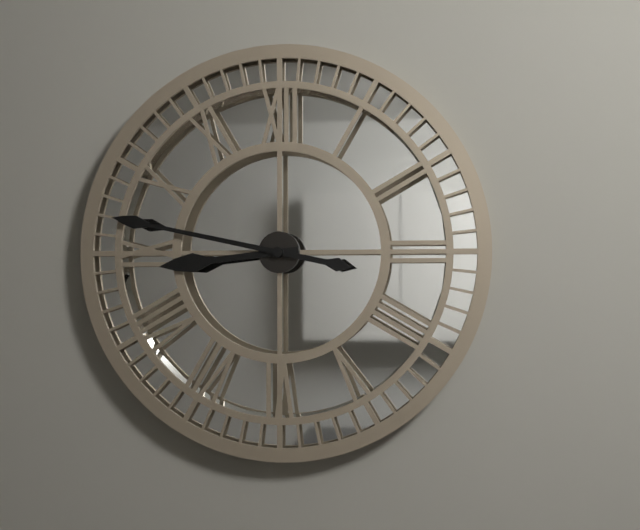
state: 8:47
